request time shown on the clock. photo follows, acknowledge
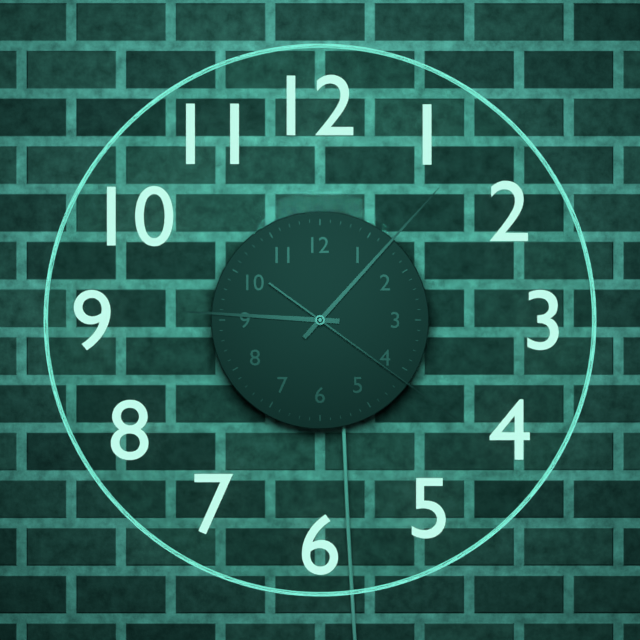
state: 9:07:21
